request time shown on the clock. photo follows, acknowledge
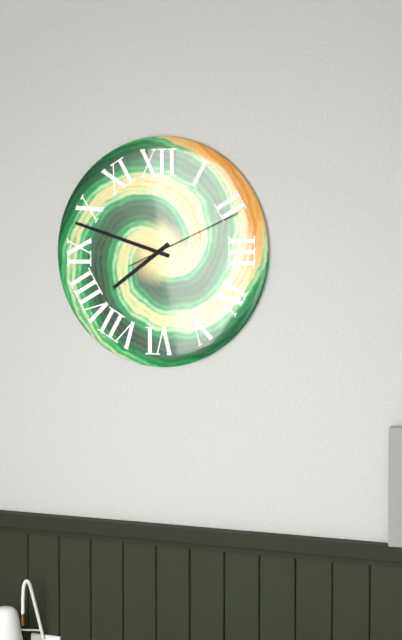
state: 7:48:11
